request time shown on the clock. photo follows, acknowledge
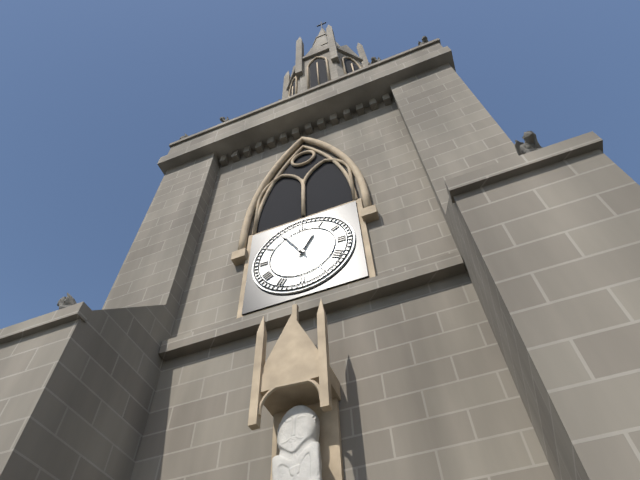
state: 12:55
